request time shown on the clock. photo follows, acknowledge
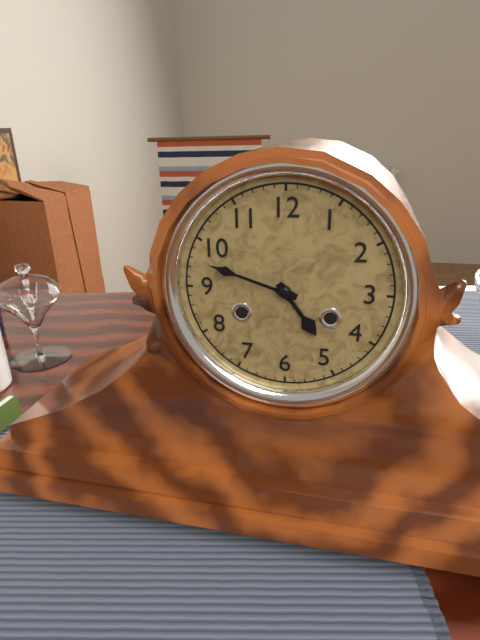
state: 4:48
